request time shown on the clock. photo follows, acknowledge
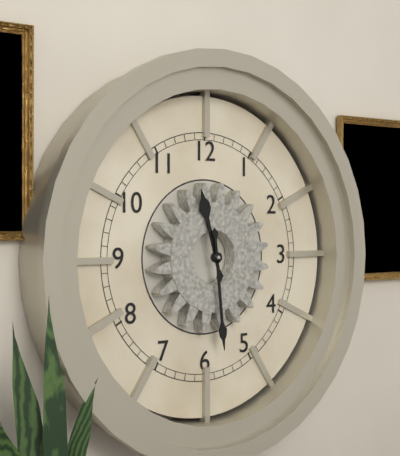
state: 11:29
